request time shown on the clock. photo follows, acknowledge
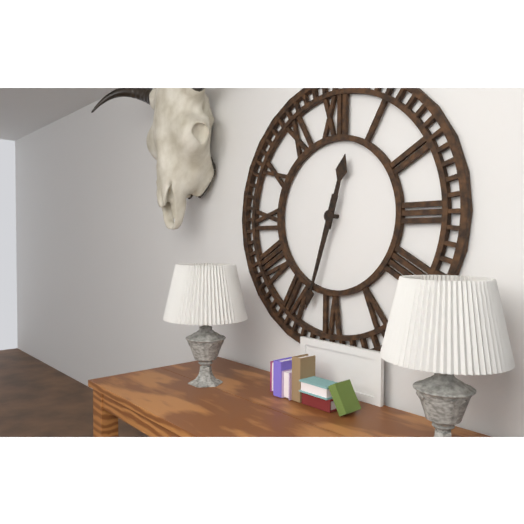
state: 12:33
